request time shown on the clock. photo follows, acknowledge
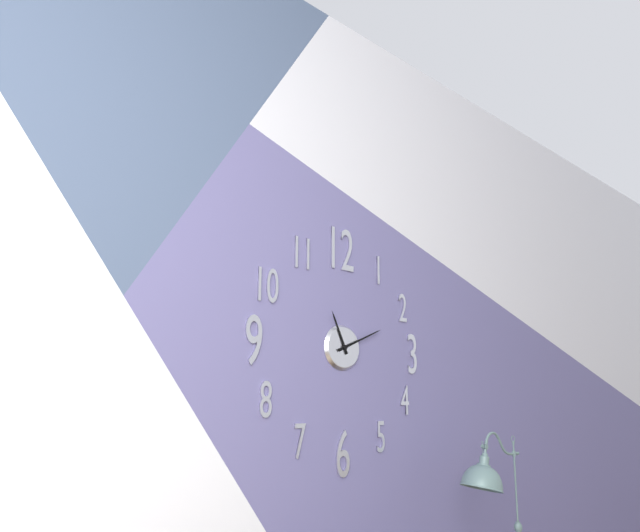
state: 11:11
